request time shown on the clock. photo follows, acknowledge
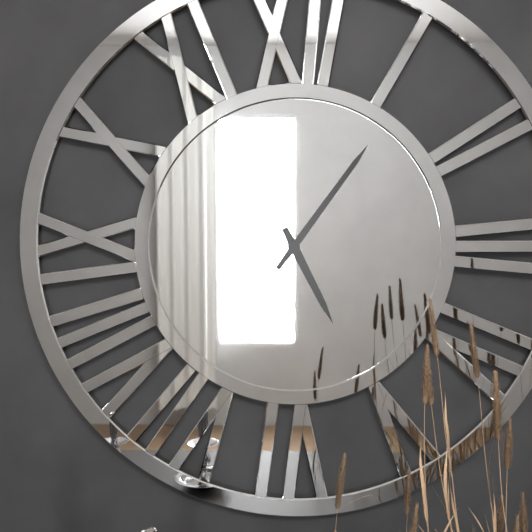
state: 5:06
